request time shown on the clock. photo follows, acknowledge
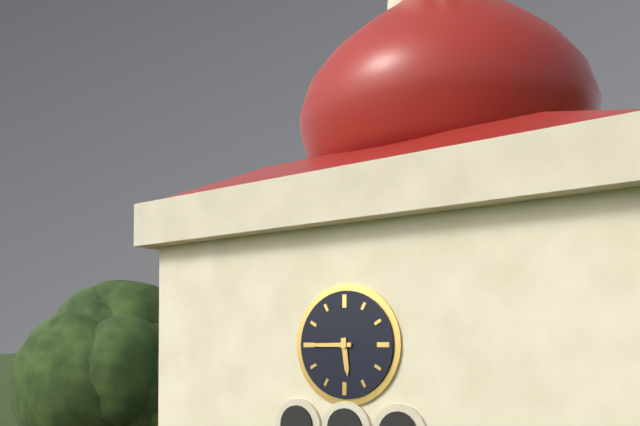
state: 5:45
